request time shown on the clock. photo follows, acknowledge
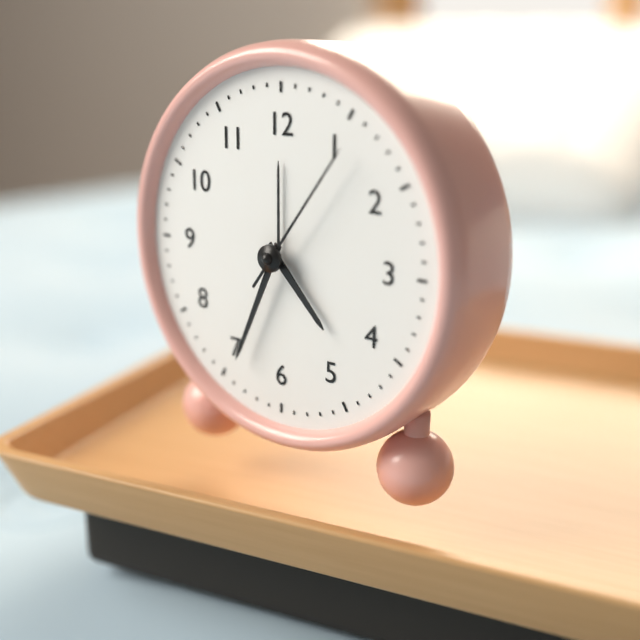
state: 4:34:06
